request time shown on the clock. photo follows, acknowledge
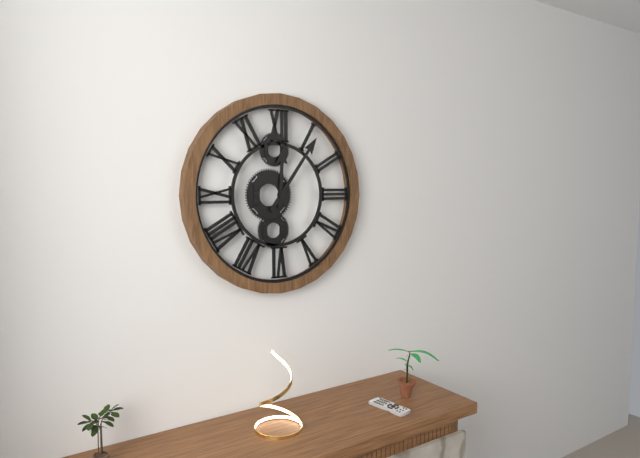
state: 12:06
